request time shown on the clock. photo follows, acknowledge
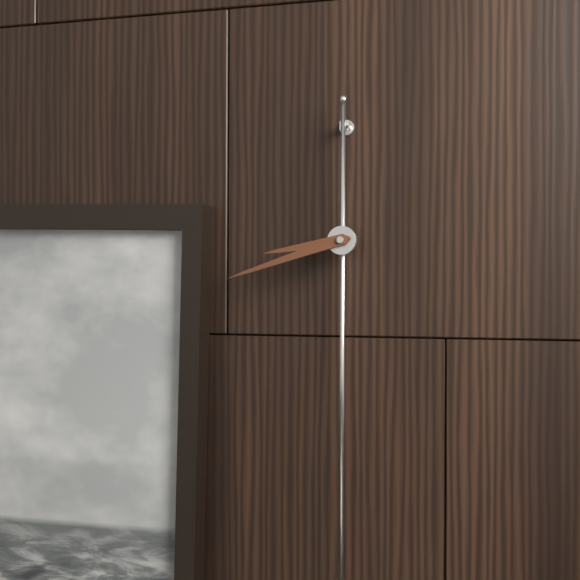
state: 8:42
